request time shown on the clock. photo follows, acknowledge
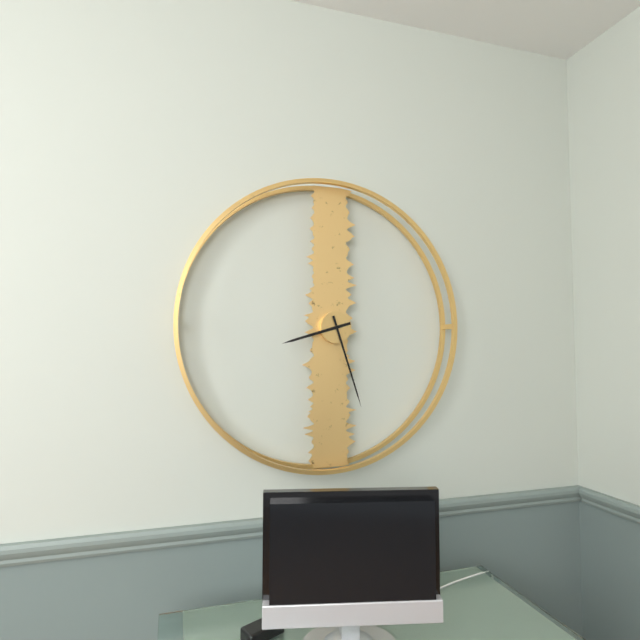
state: 8:27
